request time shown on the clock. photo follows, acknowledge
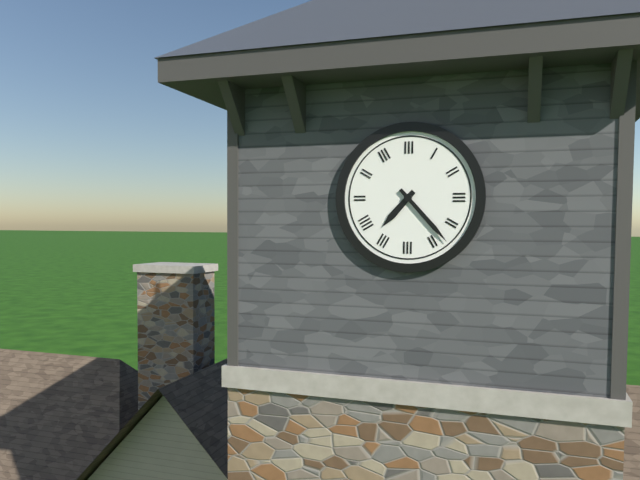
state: 7:23
